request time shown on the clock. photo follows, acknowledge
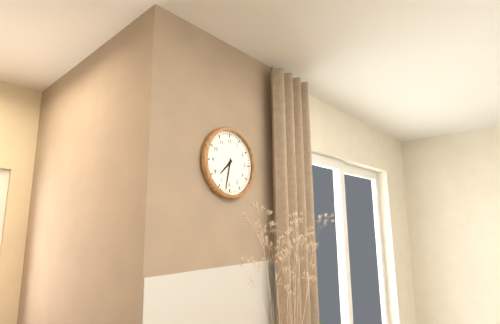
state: 7:32
